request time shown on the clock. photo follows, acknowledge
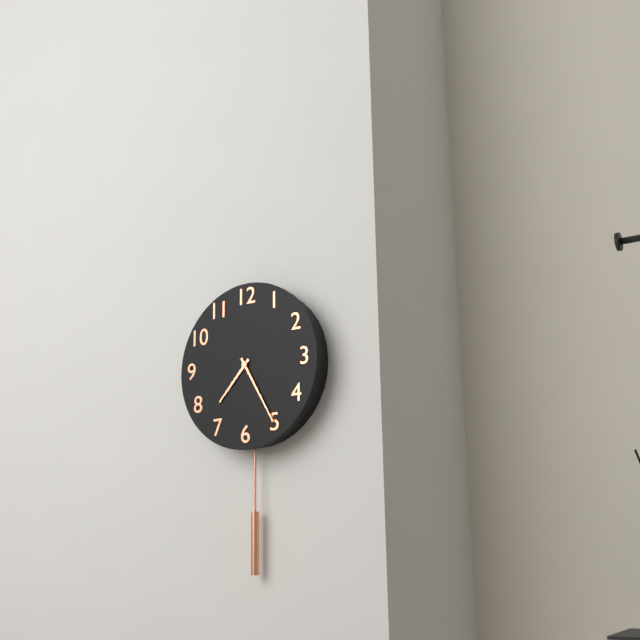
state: 7:25
